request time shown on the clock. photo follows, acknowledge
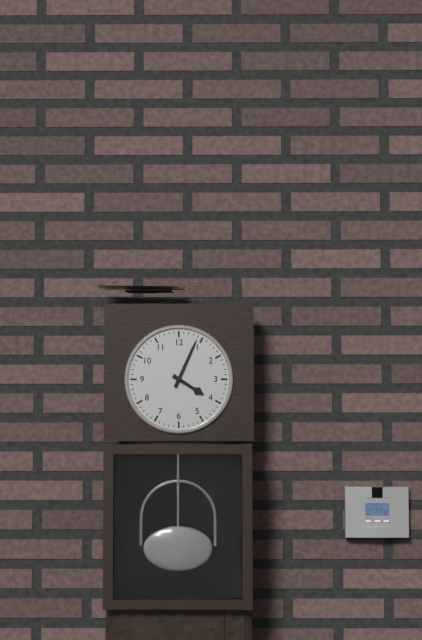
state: 4:04
